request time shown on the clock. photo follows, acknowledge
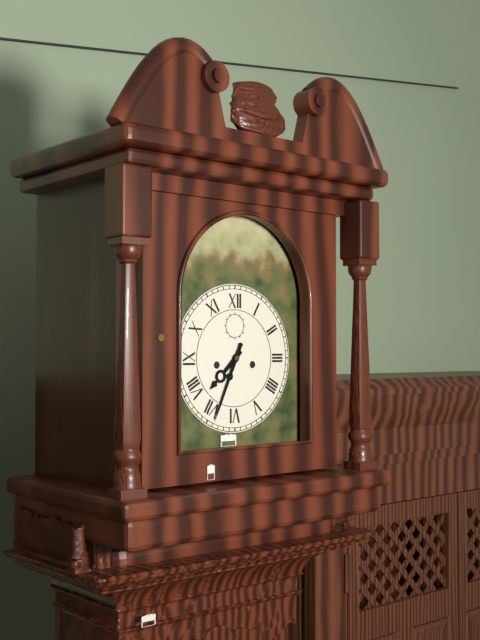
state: 7:34
